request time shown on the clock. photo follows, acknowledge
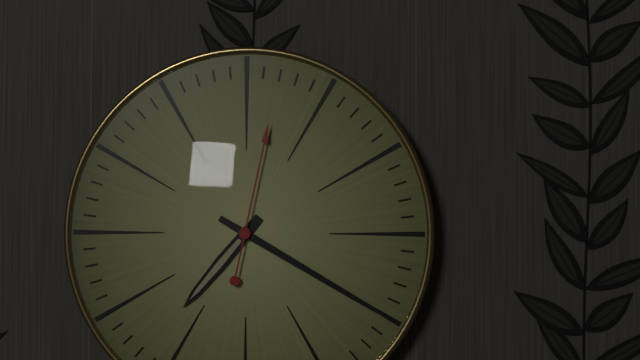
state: 7:20:02
